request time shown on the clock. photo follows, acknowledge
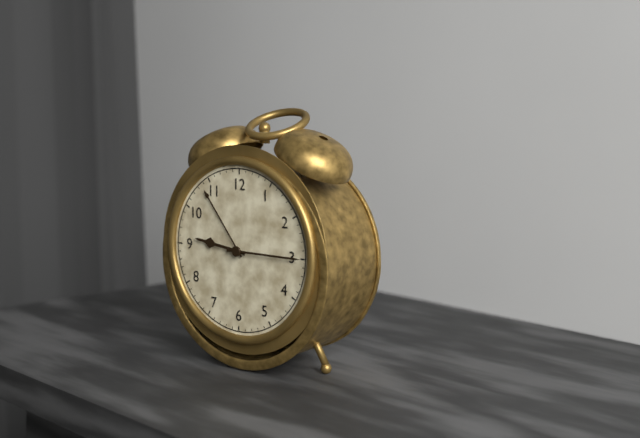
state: 9:15
